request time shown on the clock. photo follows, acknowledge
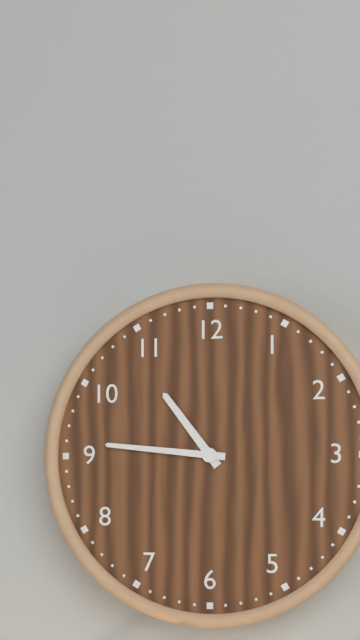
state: 10:46
